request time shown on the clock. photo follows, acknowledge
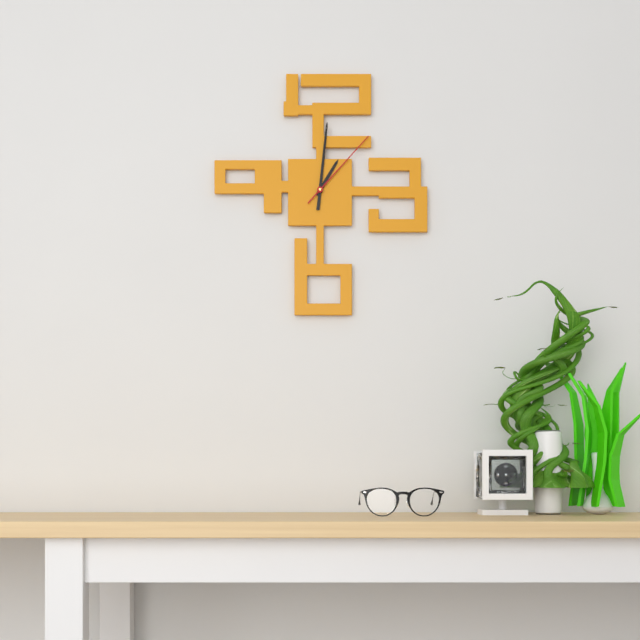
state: 1:01:07
